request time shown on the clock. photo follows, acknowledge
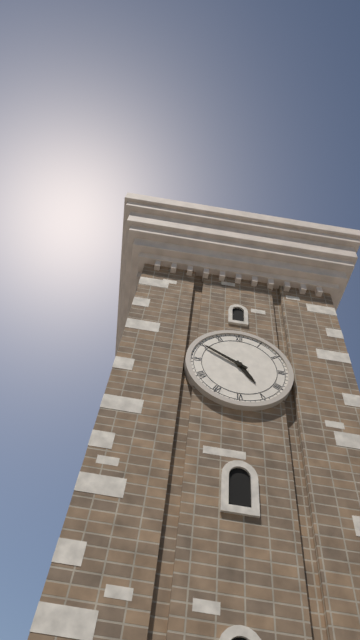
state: 4:50
